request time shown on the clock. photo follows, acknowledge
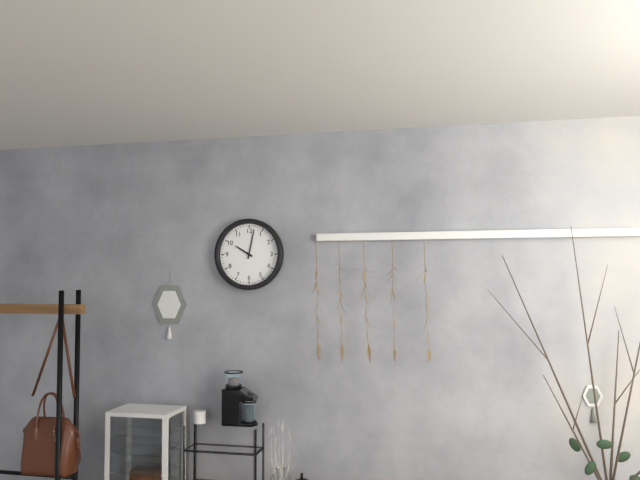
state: 10:02
